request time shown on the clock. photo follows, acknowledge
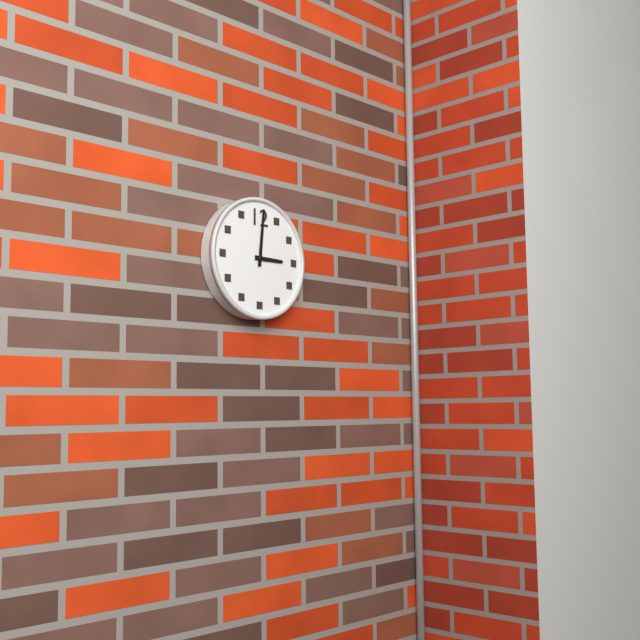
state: 3:01
